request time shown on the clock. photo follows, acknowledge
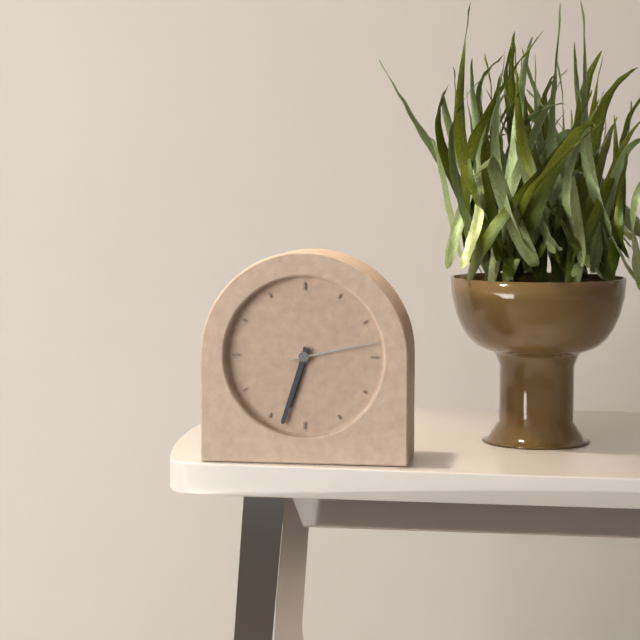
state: 6:33:13
